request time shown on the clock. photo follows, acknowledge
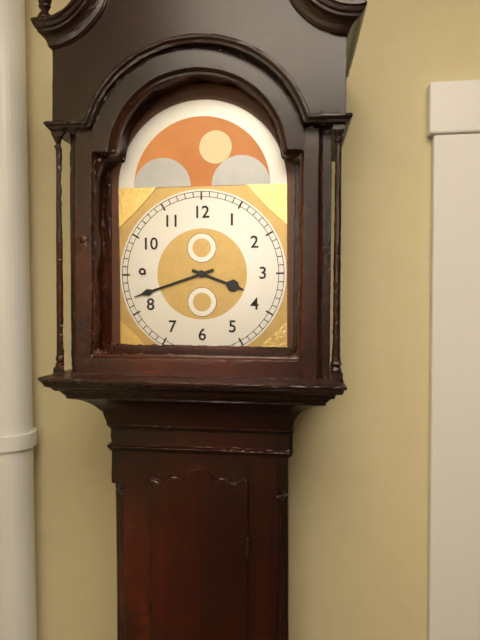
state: 3:42
